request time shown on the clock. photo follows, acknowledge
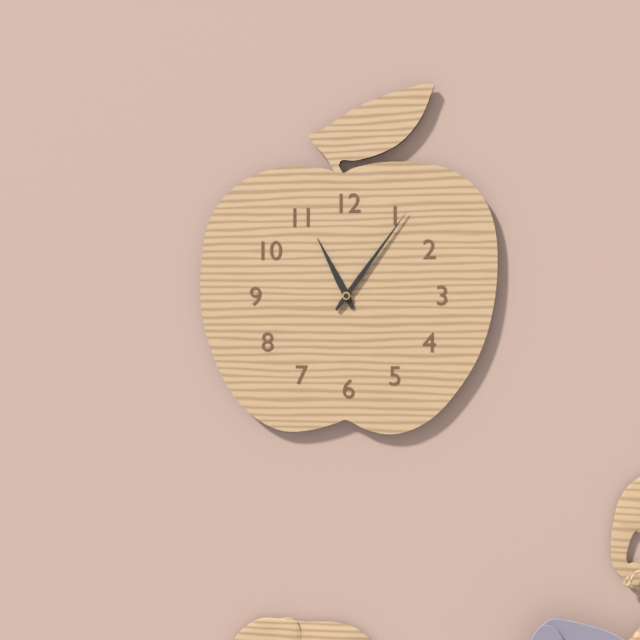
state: 11:06
